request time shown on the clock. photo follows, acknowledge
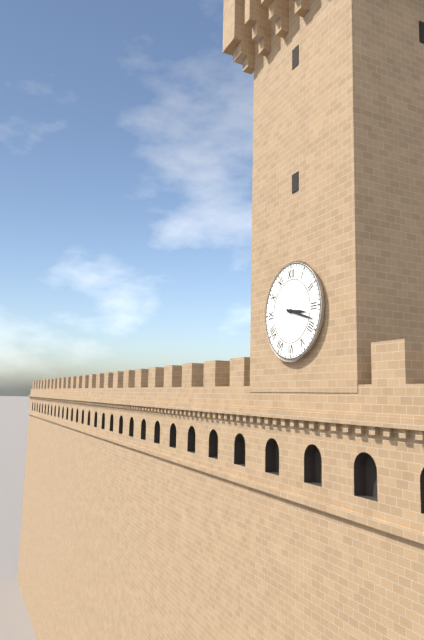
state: 3:18
